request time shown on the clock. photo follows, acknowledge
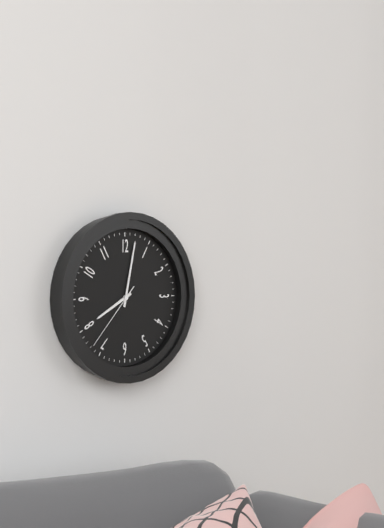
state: 8:02:37
